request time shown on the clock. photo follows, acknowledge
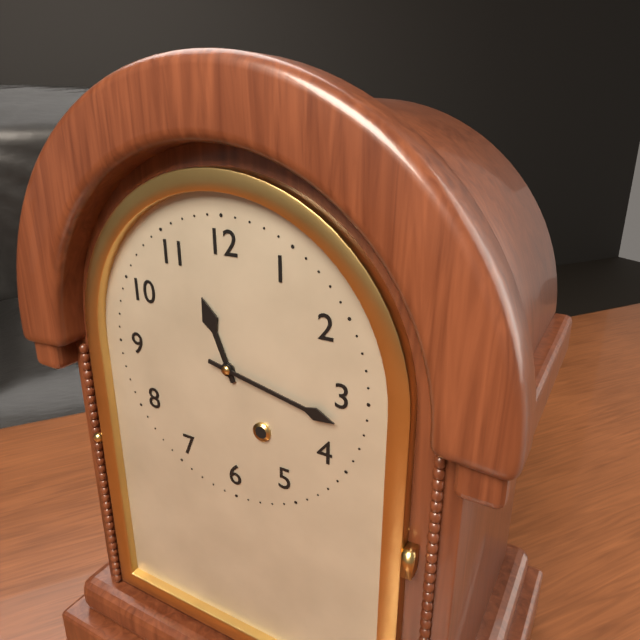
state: 11:17
